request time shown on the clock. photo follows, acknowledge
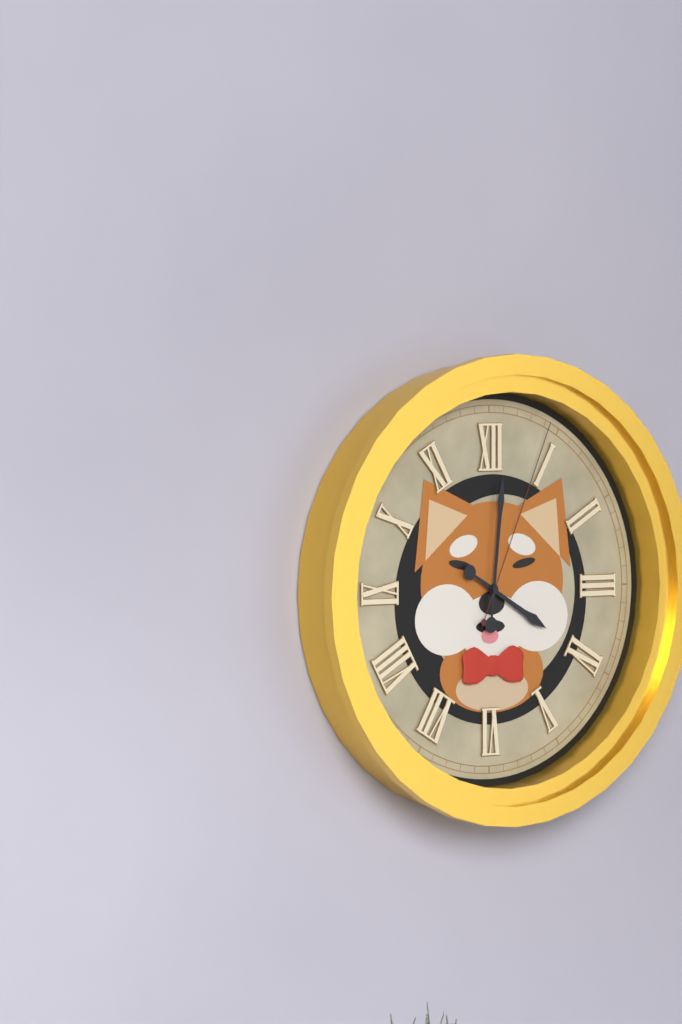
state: 4:01:04
